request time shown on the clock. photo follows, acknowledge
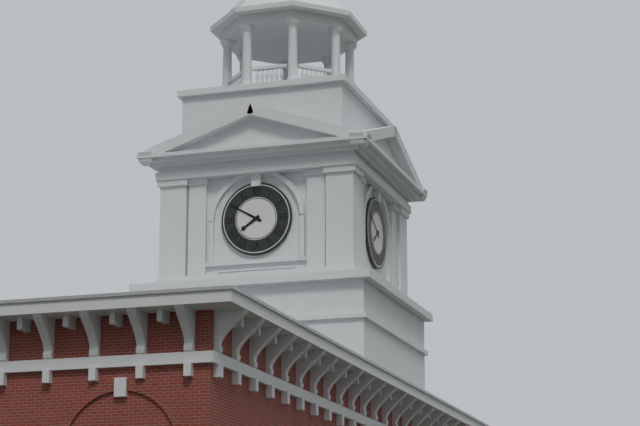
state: 7:50
